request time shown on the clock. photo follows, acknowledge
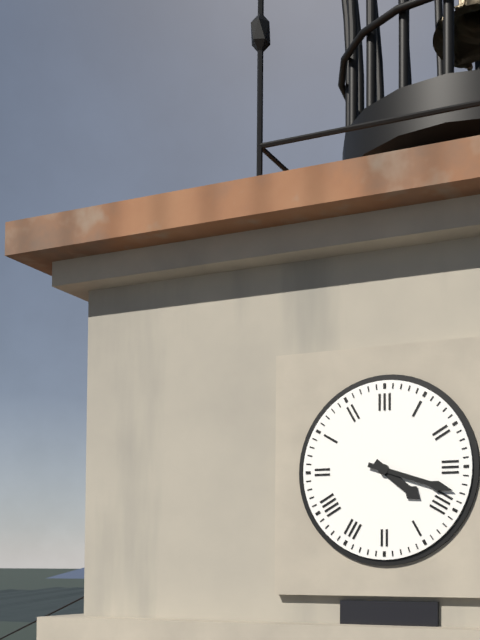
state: 4:18
